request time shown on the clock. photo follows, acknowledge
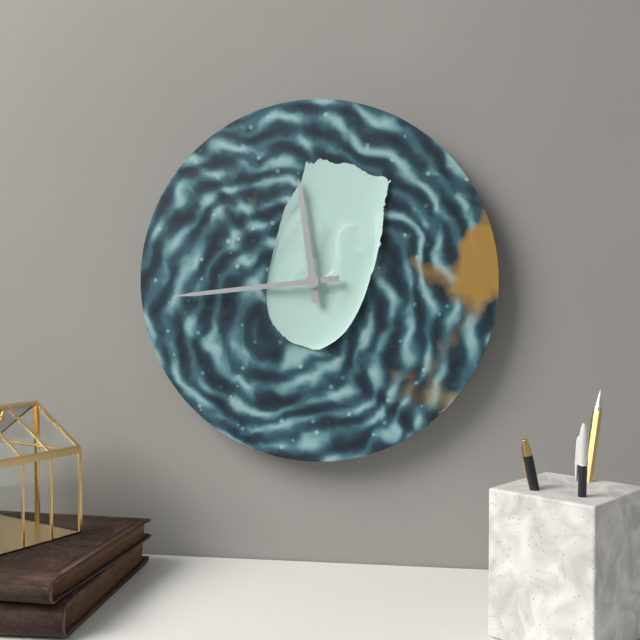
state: 11:44
